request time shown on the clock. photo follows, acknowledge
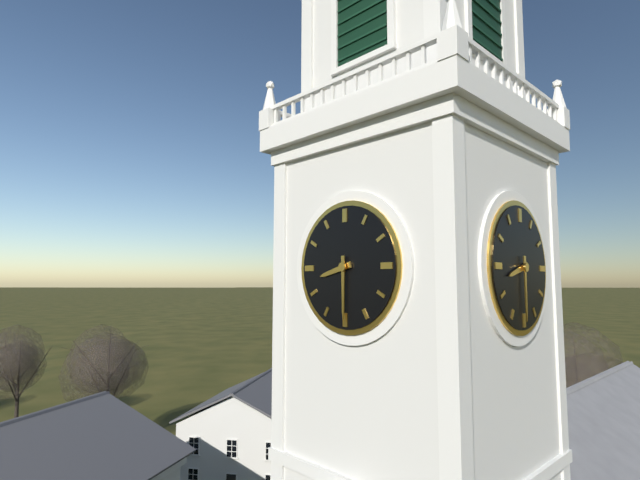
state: 8:30
